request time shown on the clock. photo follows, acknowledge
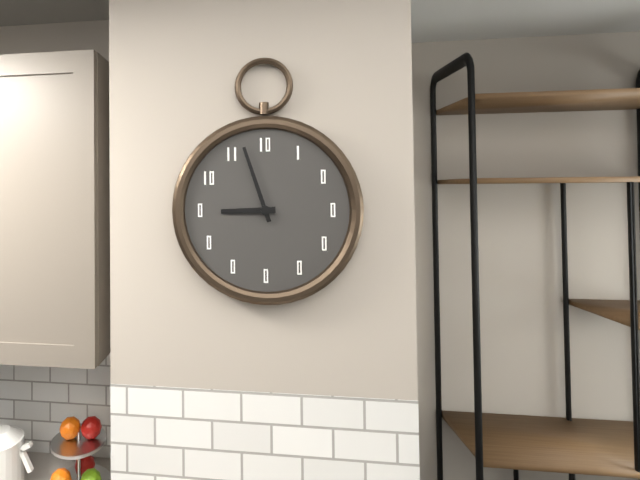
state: 8:57
